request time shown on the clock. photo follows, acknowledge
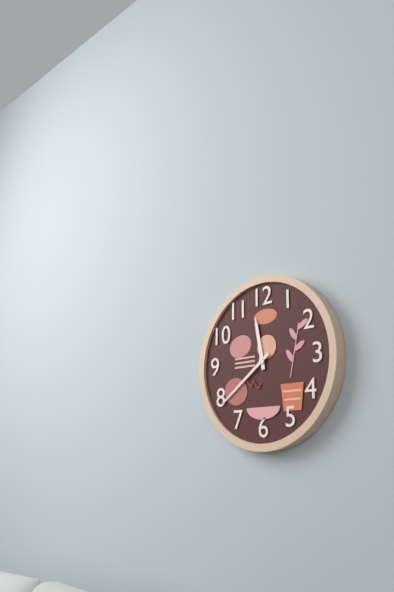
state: 11:39
